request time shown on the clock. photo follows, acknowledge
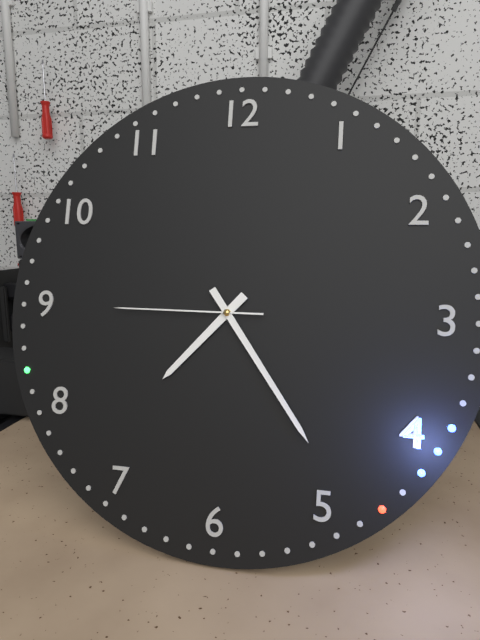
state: 7:24:45
